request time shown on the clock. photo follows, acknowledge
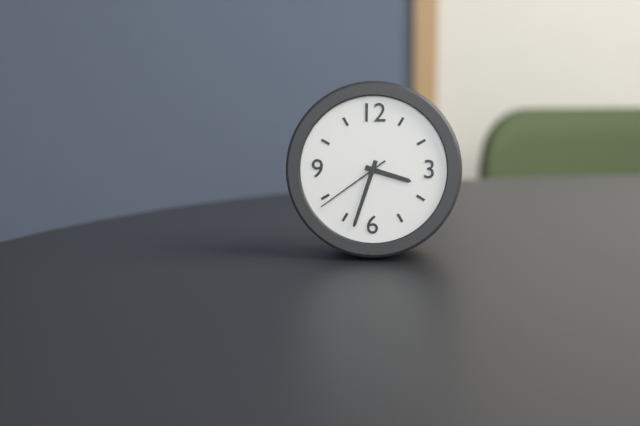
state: 3:33:39
